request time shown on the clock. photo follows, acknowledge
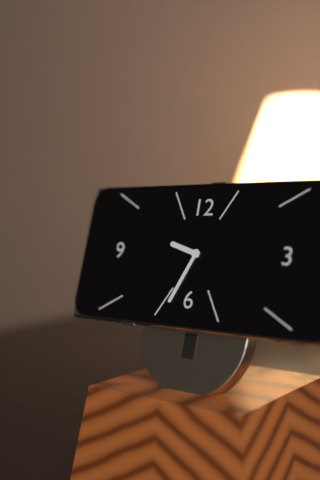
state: 9:34
